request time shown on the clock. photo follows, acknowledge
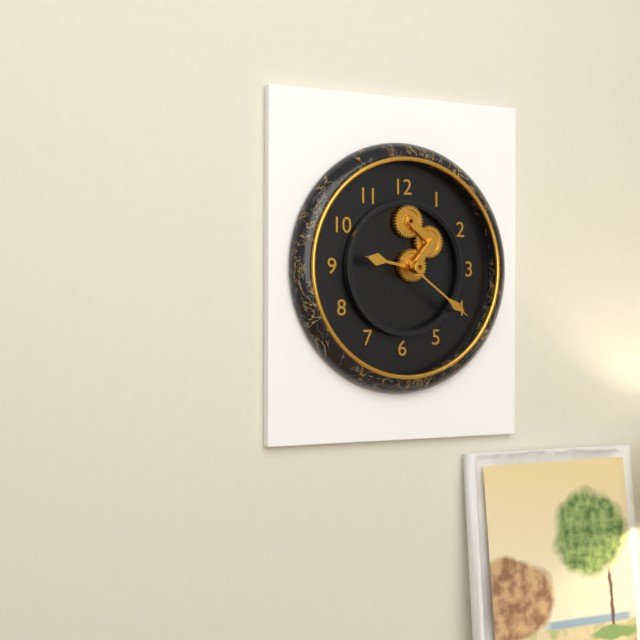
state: 9:21
